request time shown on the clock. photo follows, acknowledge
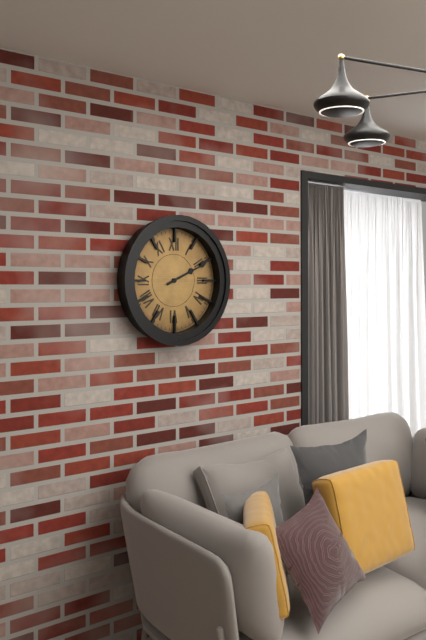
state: 2:11
